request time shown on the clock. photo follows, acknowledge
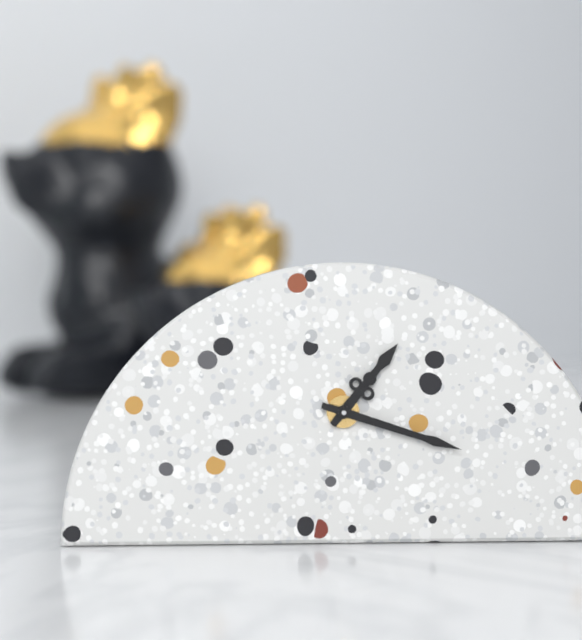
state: 1:18
